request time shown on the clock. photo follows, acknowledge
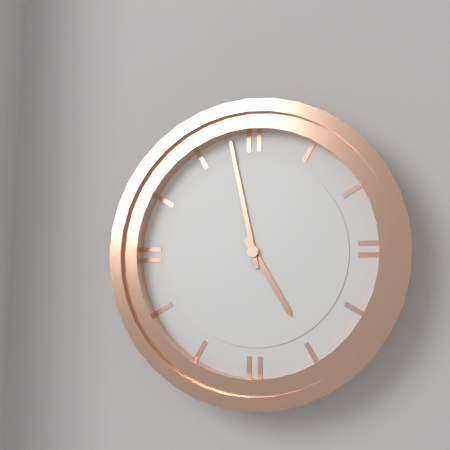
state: 4:58
